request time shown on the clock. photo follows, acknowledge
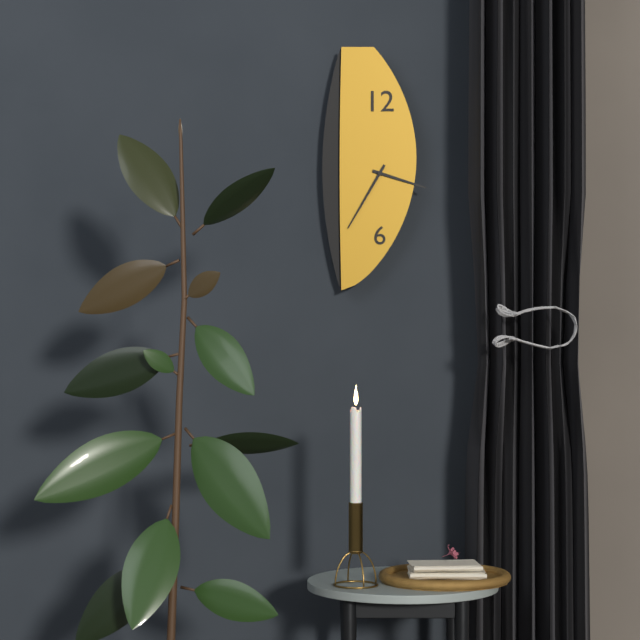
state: 3:35
